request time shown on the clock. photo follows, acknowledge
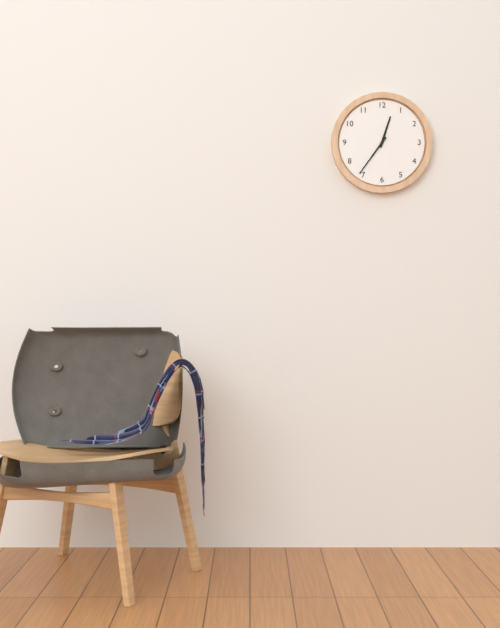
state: 12:36
